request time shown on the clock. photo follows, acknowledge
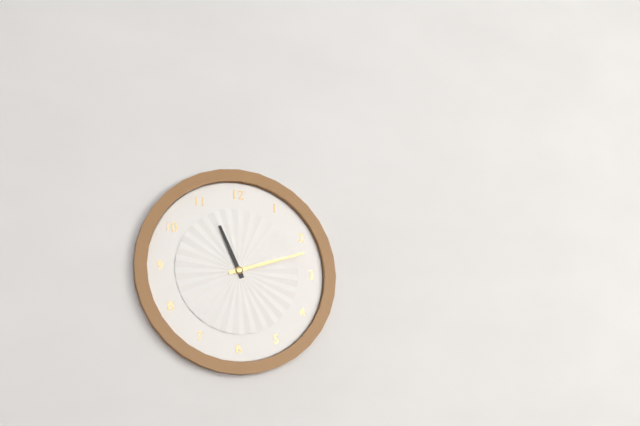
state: 11:12
